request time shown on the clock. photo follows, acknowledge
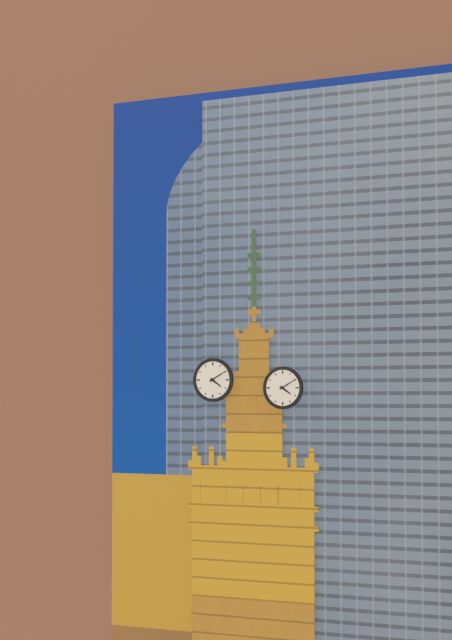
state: 4:10
